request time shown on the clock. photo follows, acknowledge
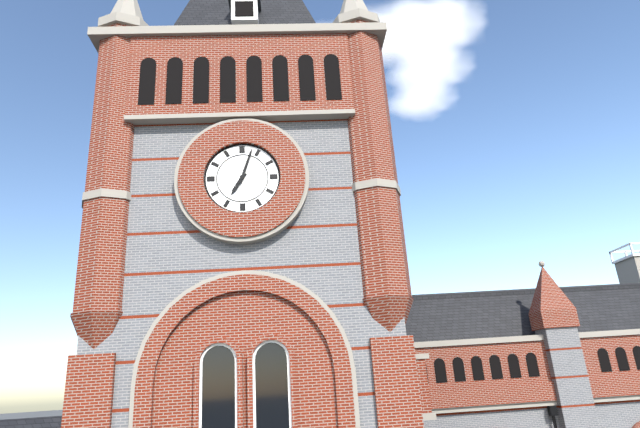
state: 7:03
